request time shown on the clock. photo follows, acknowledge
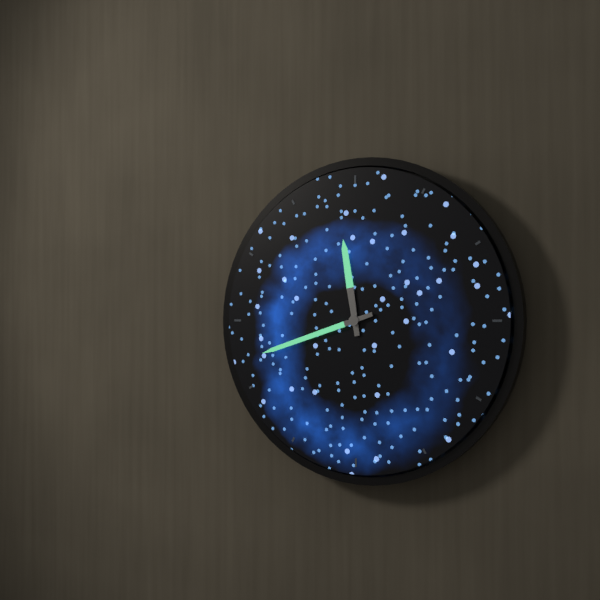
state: 11:42
